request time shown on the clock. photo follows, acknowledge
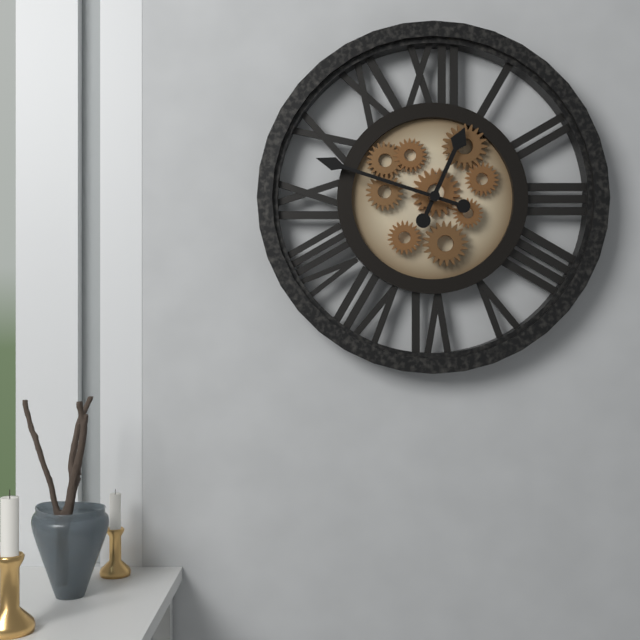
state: 12:48
